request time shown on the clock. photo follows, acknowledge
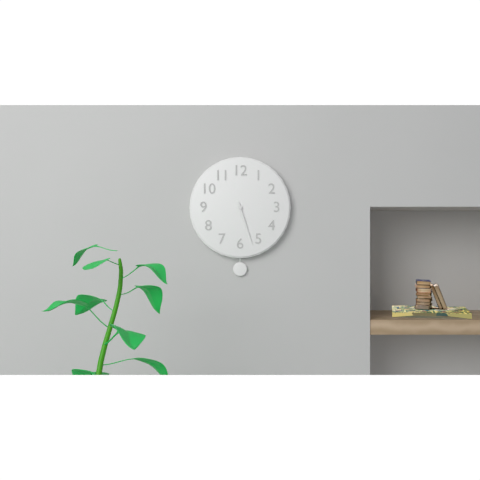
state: 5:27
